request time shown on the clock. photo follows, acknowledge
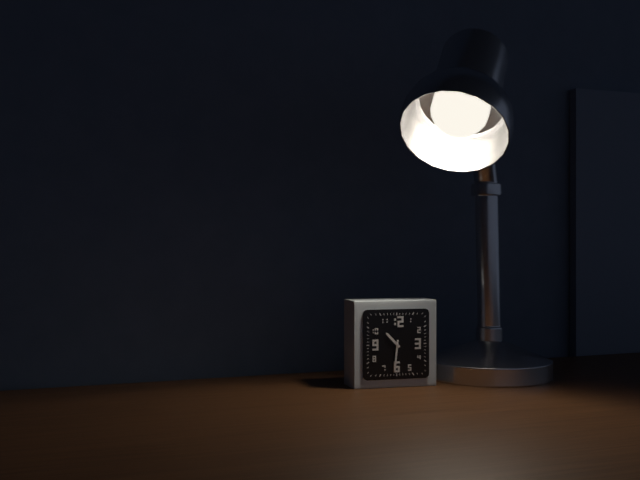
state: 10:31
